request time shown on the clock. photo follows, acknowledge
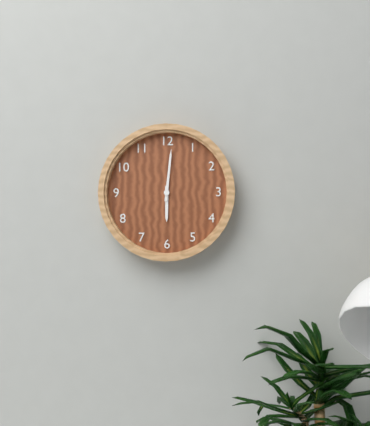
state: 6:01
